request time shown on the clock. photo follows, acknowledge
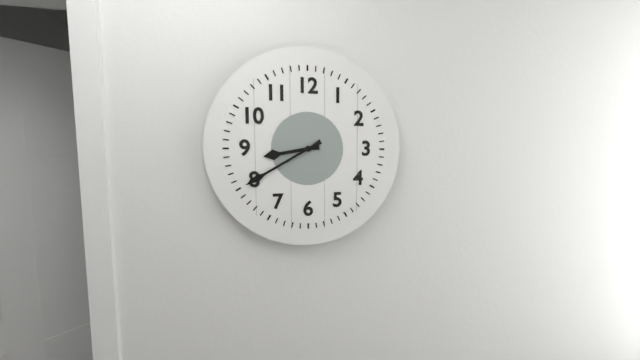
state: 8:40
